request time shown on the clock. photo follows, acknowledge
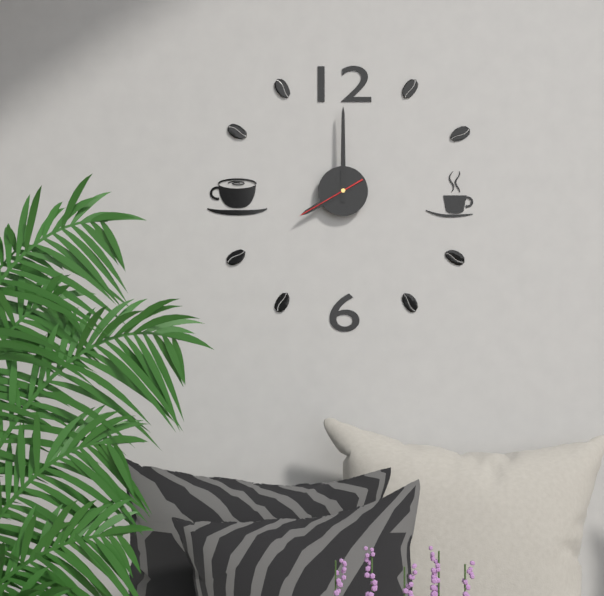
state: 8:00:40
